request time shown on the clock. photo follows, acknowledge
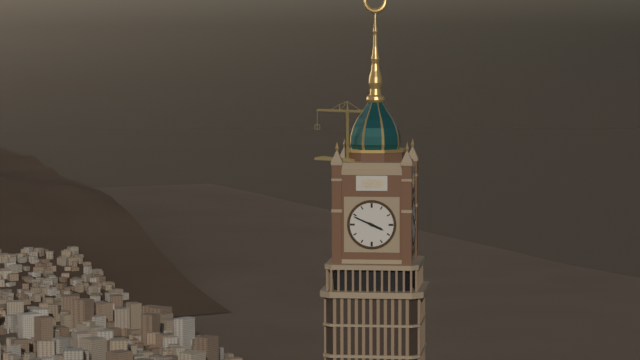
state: 3:49
